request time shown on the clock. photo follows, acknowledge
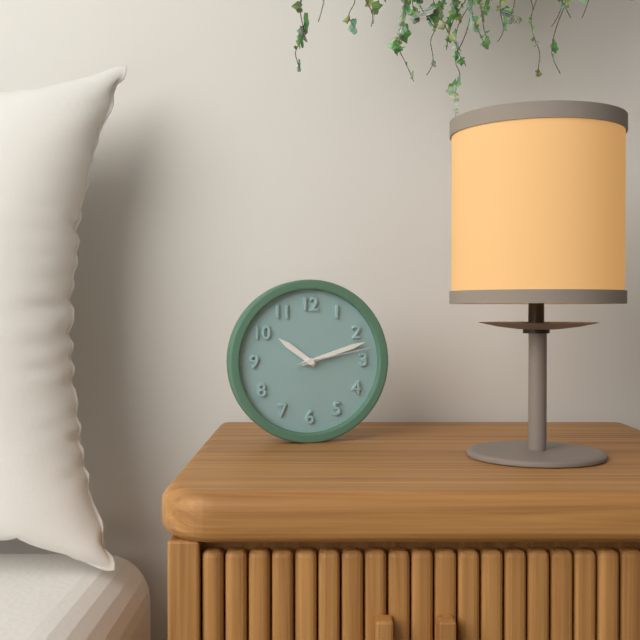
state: 10:12:13
